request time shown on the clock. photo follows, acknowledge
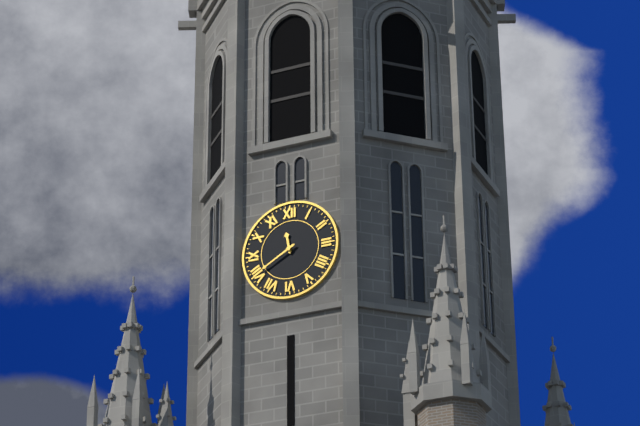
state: 11:40
